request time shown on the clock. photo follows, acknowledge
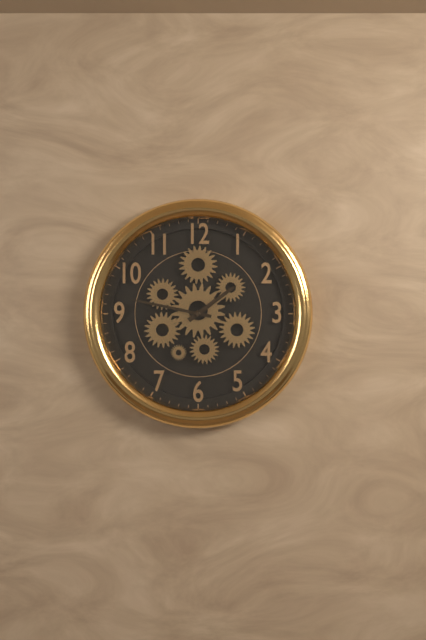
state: 1:47
